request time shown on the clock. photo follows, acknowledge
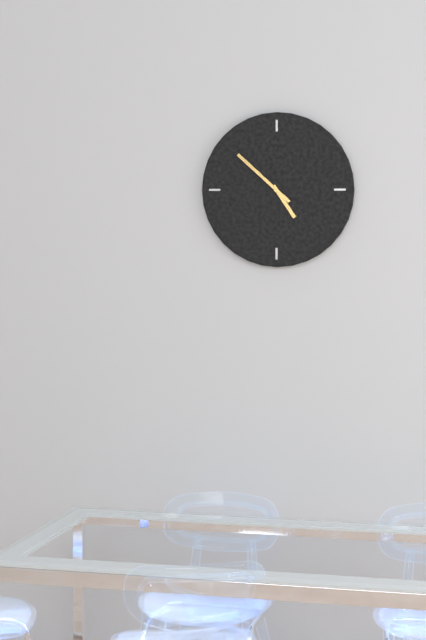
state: 4:52
